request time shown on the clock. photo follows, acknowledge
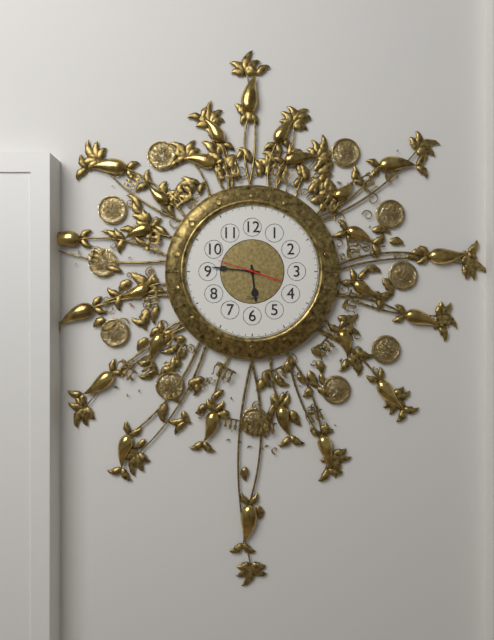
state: 5:46
